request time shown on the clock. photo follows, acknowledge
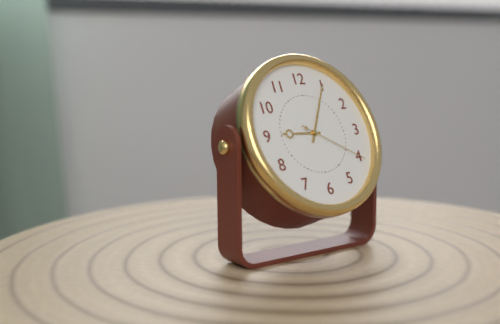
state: 9:05:20
